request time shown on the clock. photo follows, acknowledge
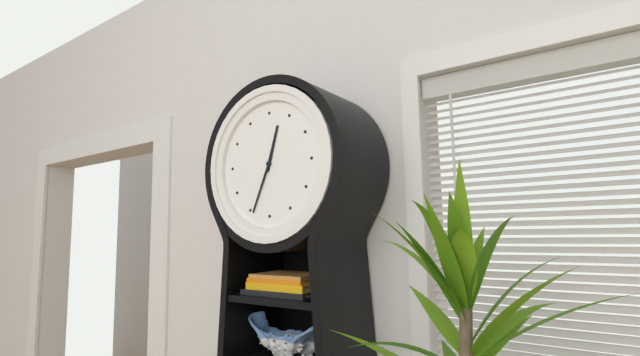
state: 12:34
